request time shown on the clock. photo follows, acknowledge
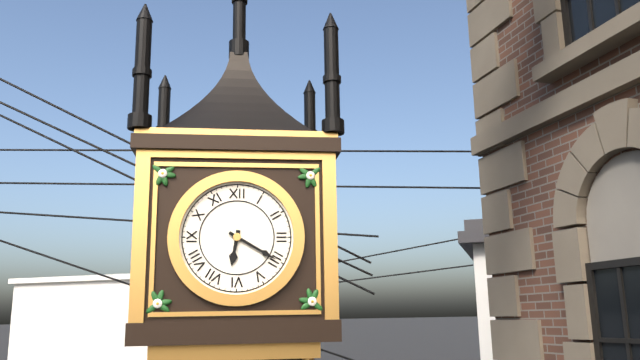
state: 6:20
